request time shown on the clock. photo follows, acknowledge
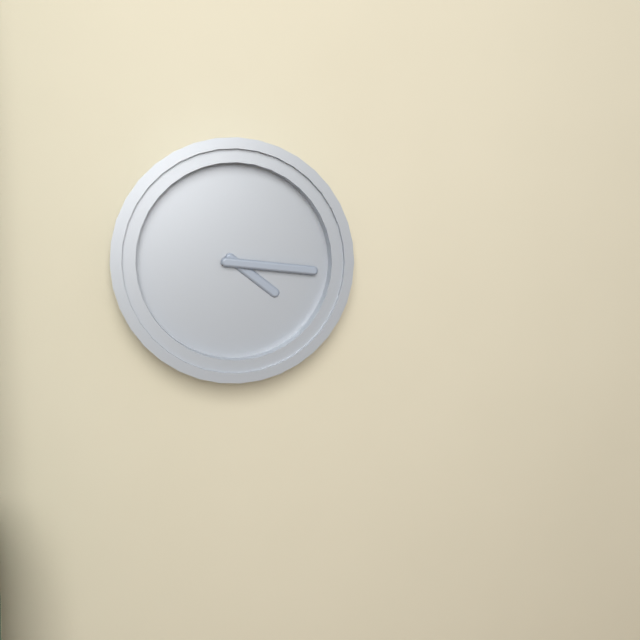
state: 4:16
